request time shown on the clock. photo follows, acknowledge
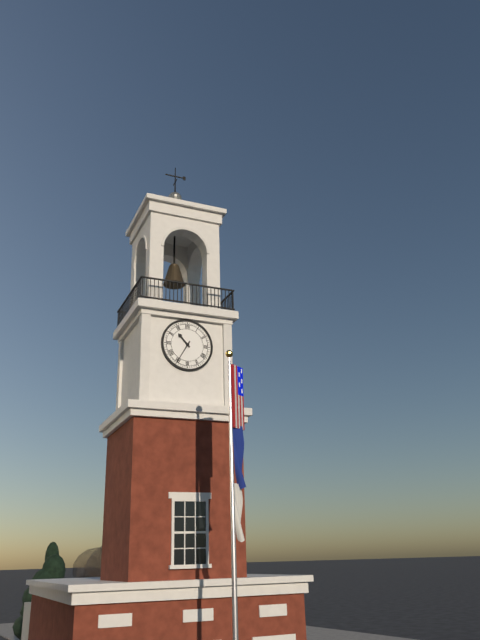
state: 10:35
